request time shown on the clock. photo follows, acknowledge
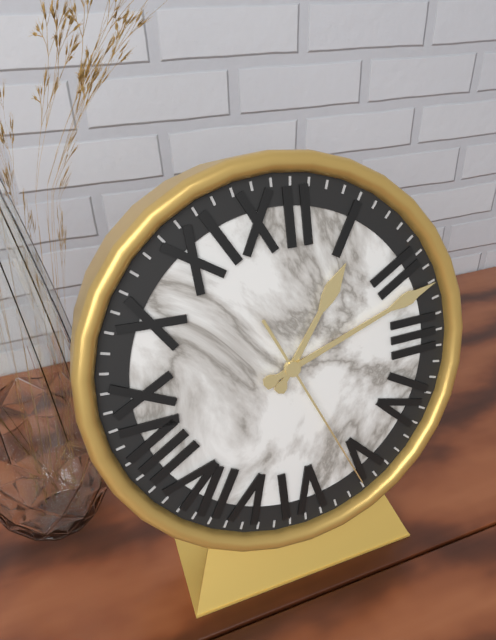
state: 1:12:26
